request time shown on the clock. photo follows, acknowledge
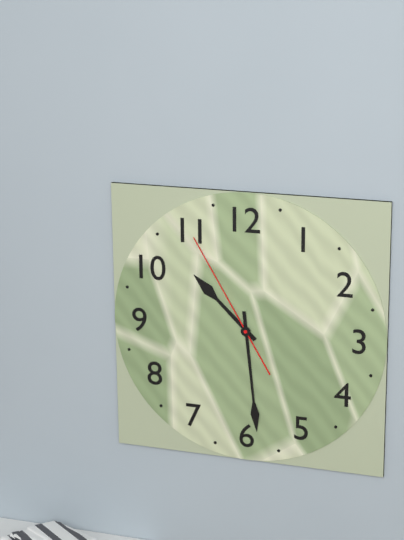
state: 10:29:55
